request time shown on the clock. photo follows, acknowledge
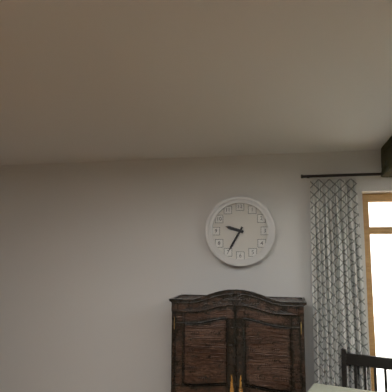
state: 9:35
